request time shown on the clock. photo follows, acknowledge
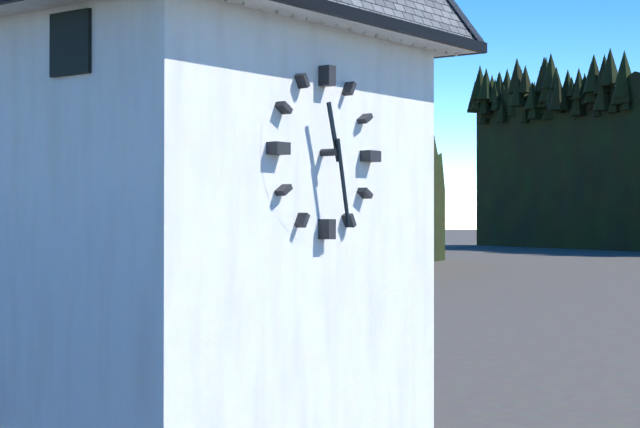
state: 11:28
